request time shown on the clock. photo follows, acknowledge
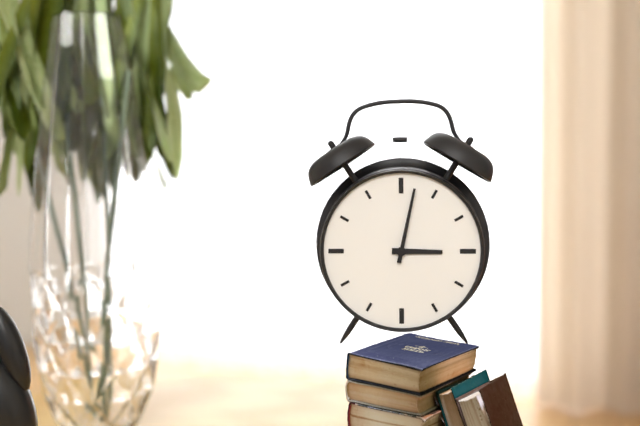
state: 3:02
